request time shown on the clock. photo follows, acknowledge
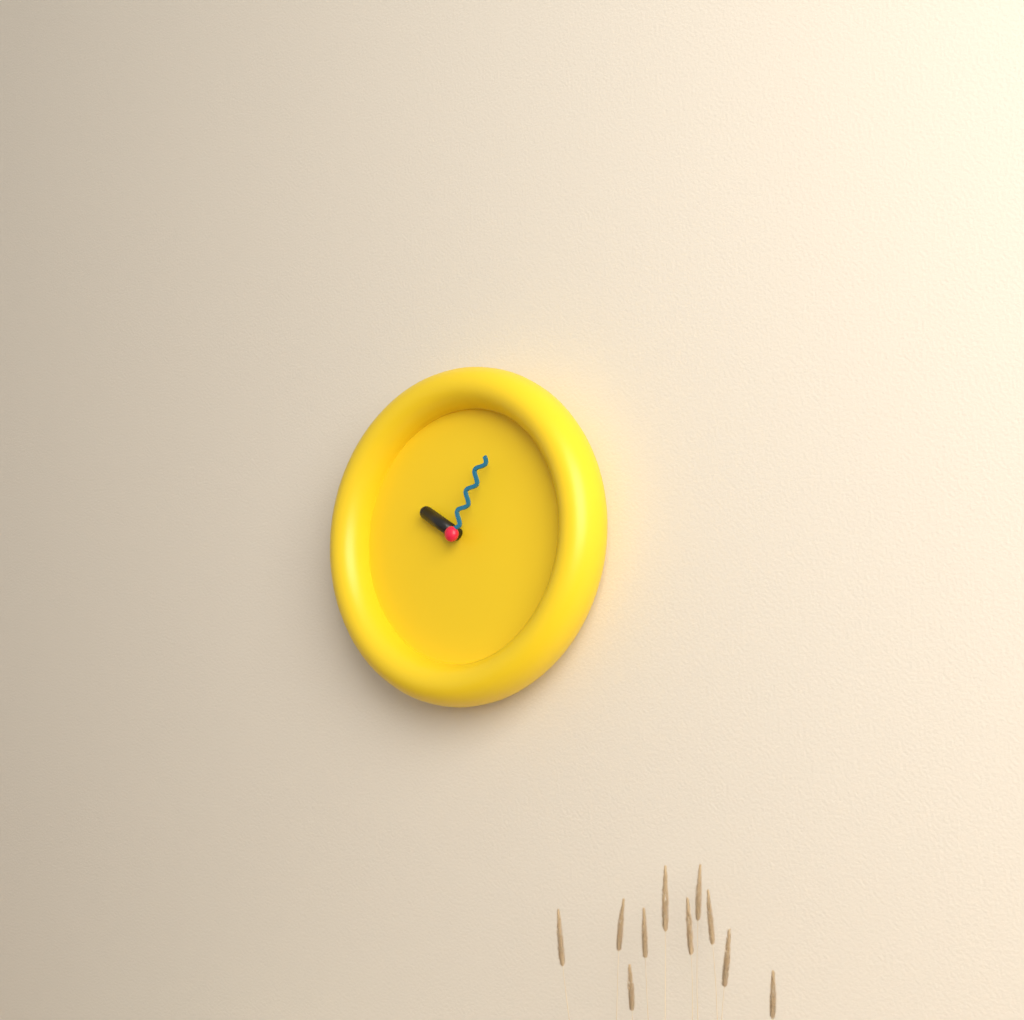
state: 10:05
